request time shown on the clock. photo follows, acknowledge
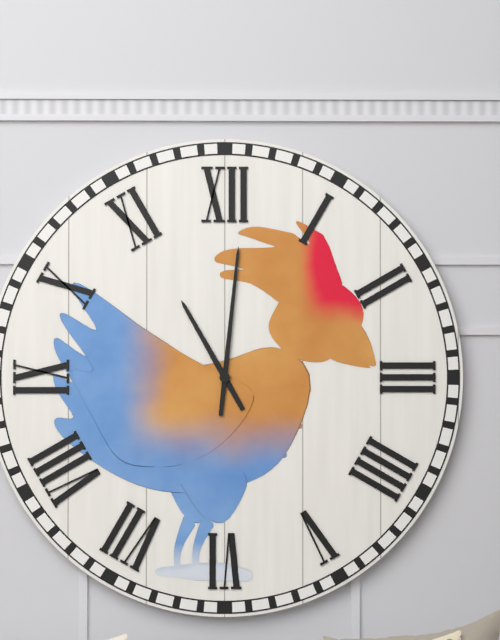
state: 11:01
